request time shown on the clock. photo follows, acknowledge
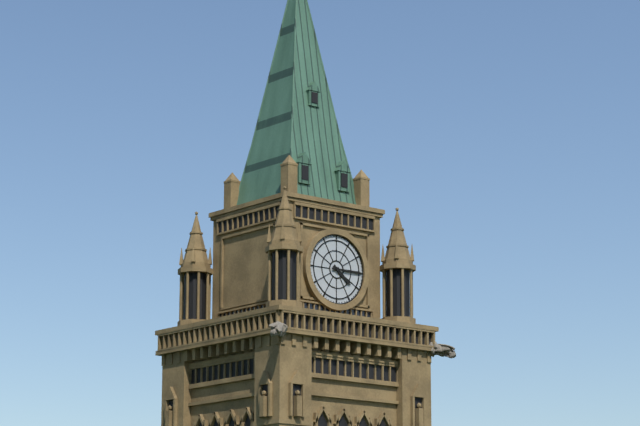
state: 4:15
